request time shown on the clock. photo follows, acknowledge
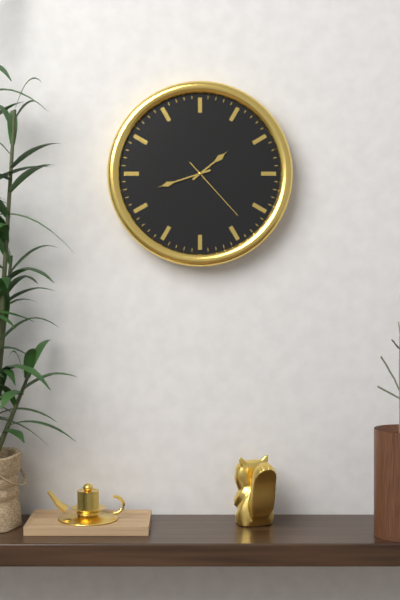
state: 1:42:23
